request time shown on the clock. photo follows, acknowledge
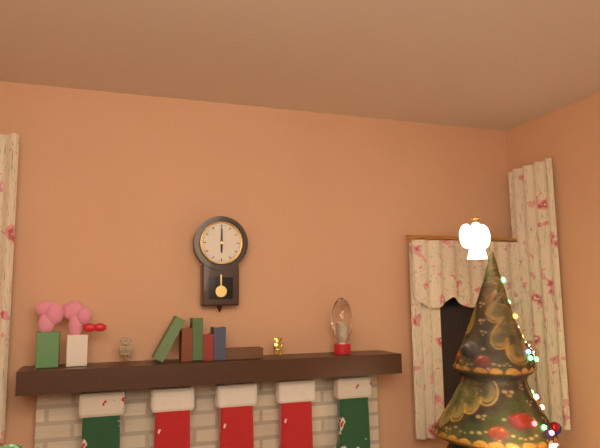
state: 6:00
